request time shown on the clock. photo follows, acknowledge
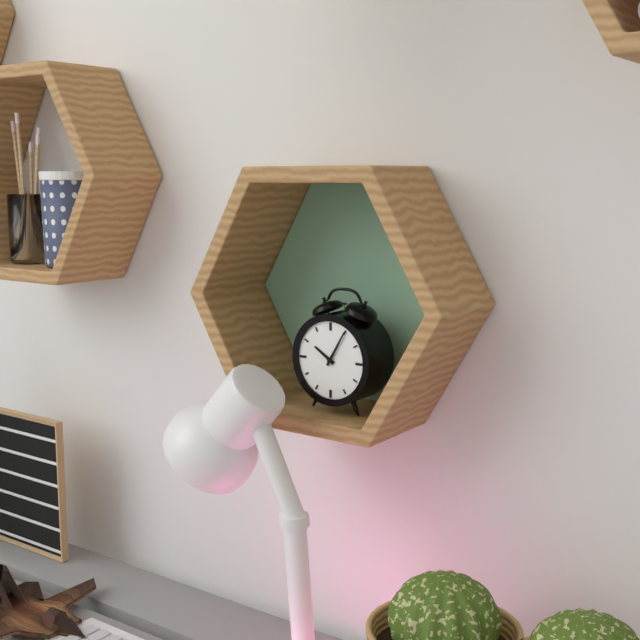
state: 10:05
